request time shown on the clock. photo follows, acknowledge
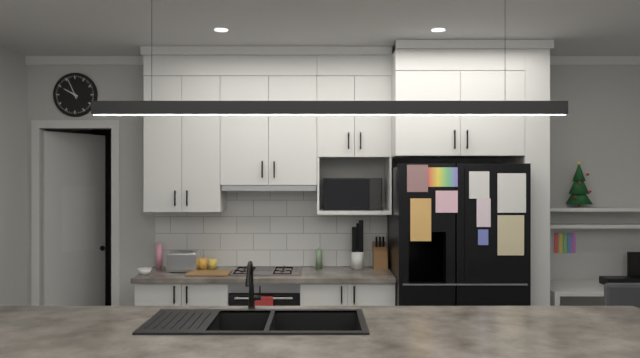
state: 9:56
